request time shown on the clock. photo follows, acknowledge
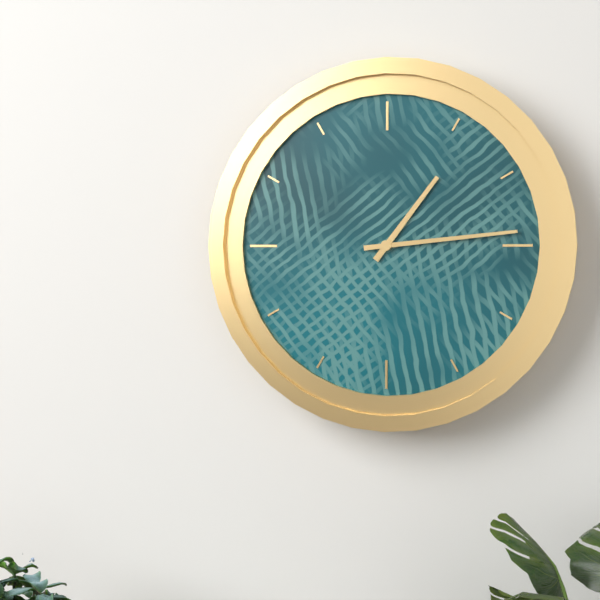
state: 1:14
